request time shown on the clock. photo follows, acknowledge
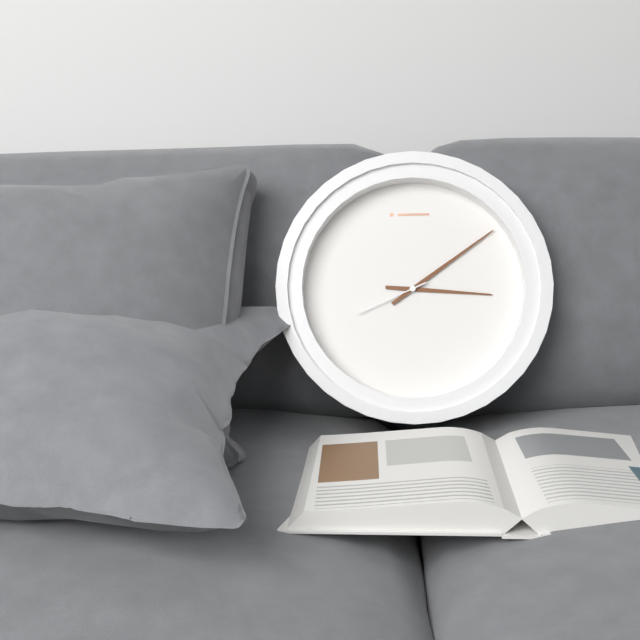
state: 3:09:41
